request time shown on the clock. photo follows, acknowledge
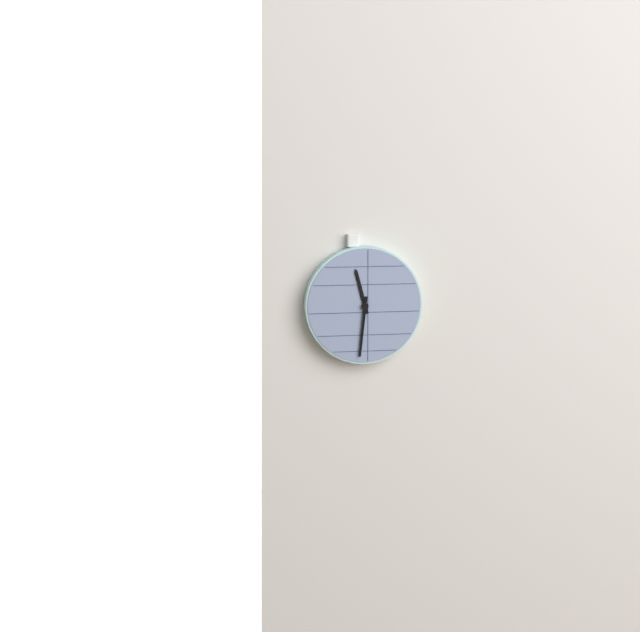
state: 11:31
